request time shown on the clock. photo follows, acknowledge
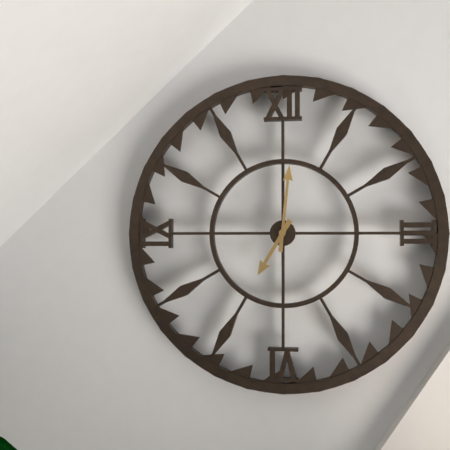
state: 7:01
